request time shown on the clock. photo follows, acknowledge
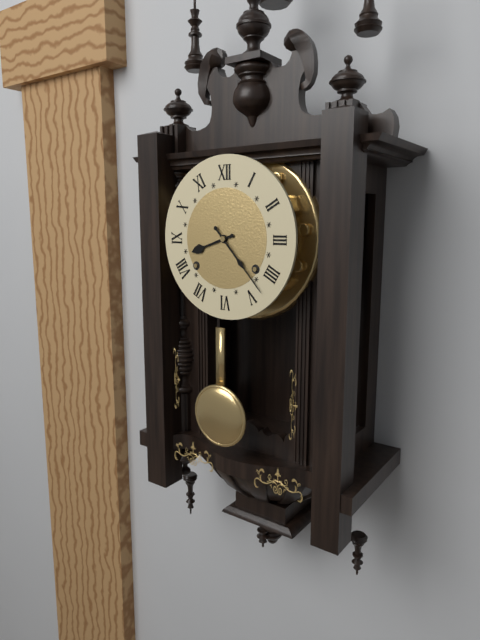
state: 8:23
